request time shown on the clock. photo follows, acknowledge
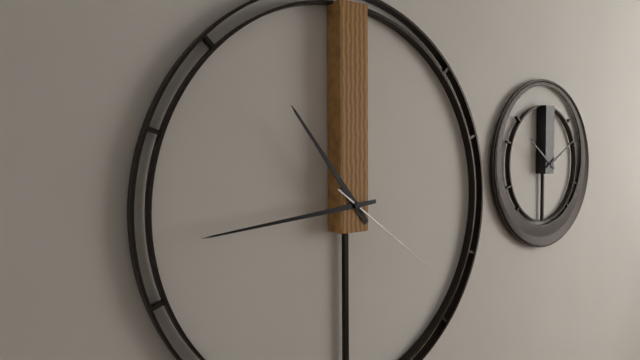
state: 10:44:21
